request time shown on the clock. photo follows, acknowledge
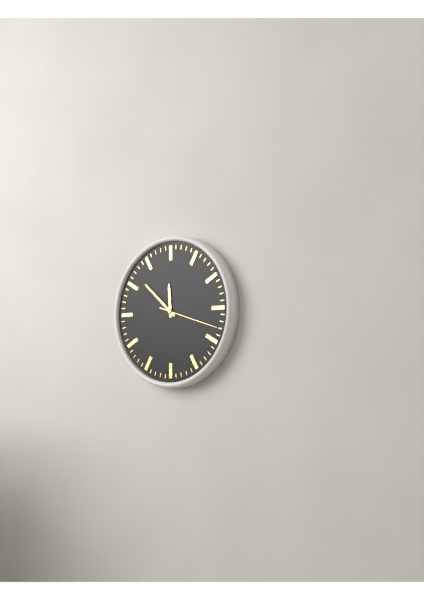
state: 11:52:18
